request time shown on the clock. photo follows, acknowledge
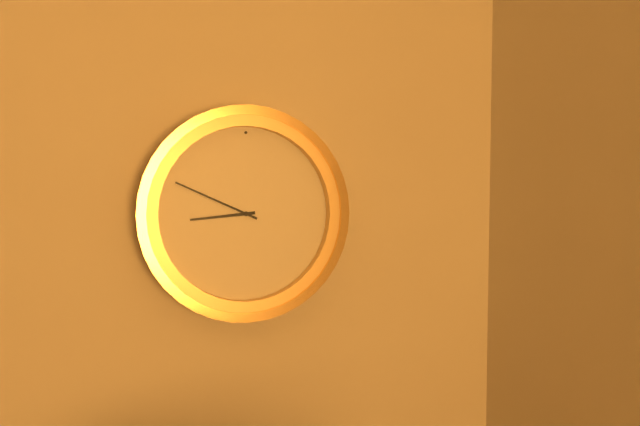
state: 8:49
